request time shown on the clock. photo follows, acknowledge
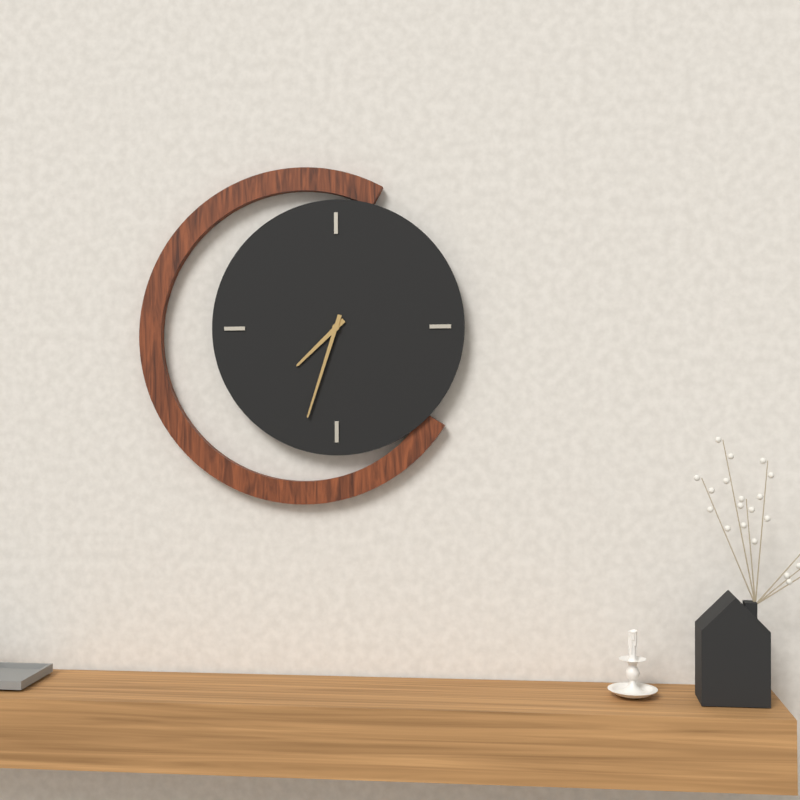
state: 7:33
